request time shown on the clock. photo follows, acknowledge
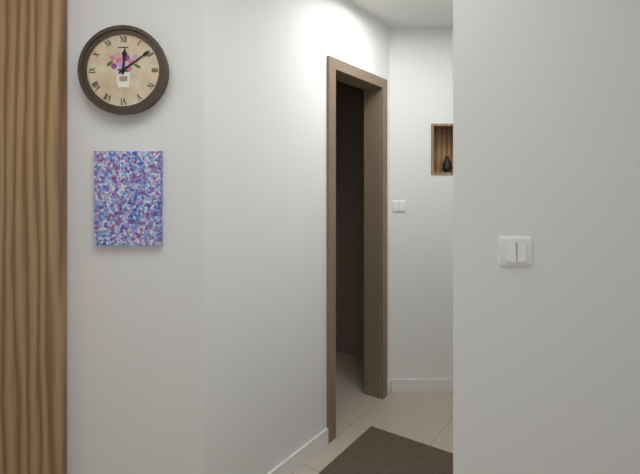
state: 12:09
